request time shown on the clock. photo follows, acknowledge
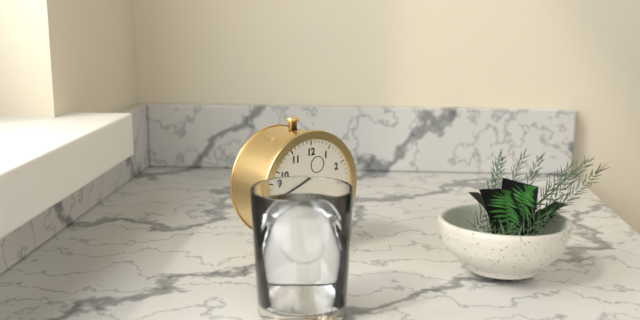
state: 2:42
